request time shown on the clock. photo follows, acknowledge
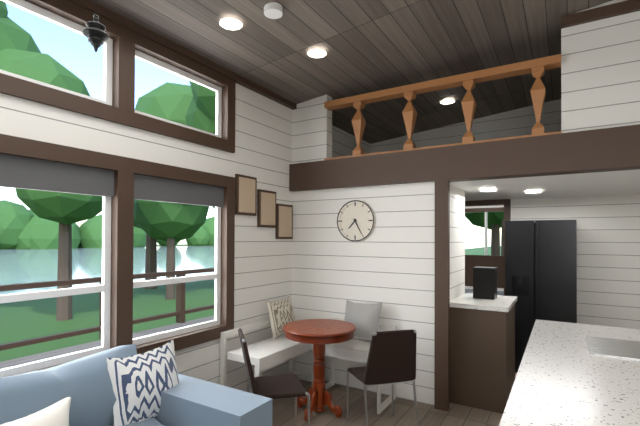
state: 7:25
